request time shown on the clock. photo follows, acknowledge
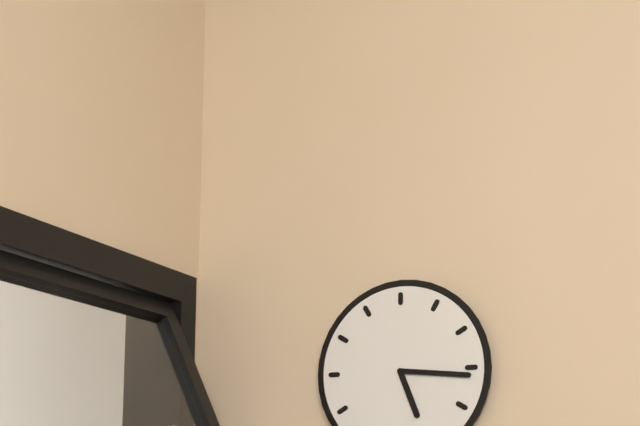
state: 5:16
